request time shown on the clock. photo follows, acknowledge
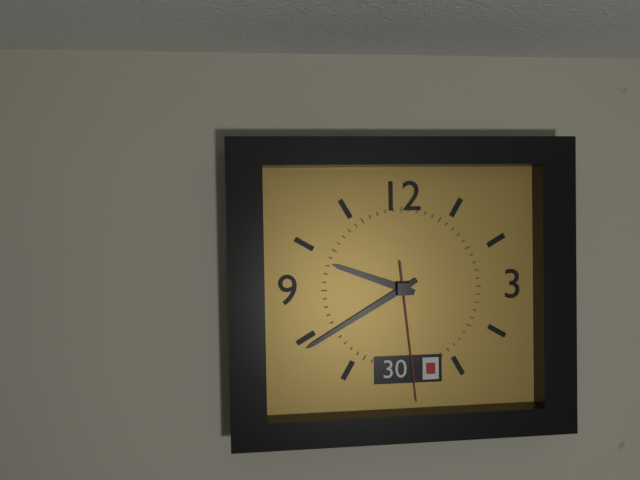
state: 9:40:29
